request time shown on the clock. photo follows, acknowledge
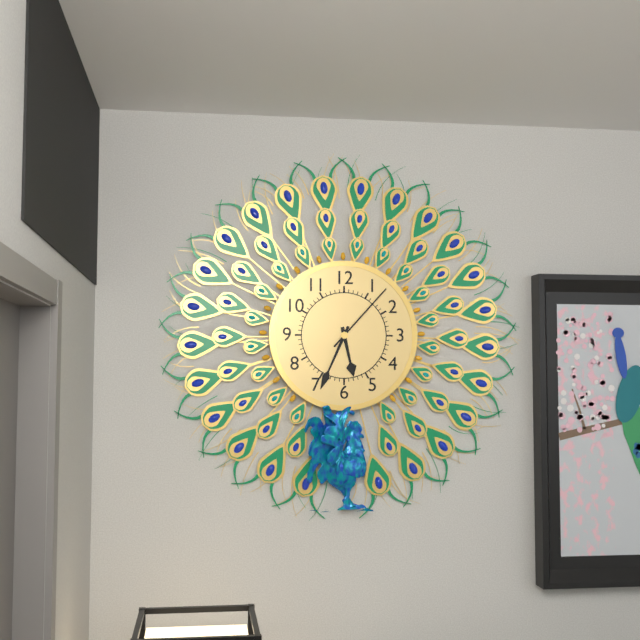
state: 5:34:07
